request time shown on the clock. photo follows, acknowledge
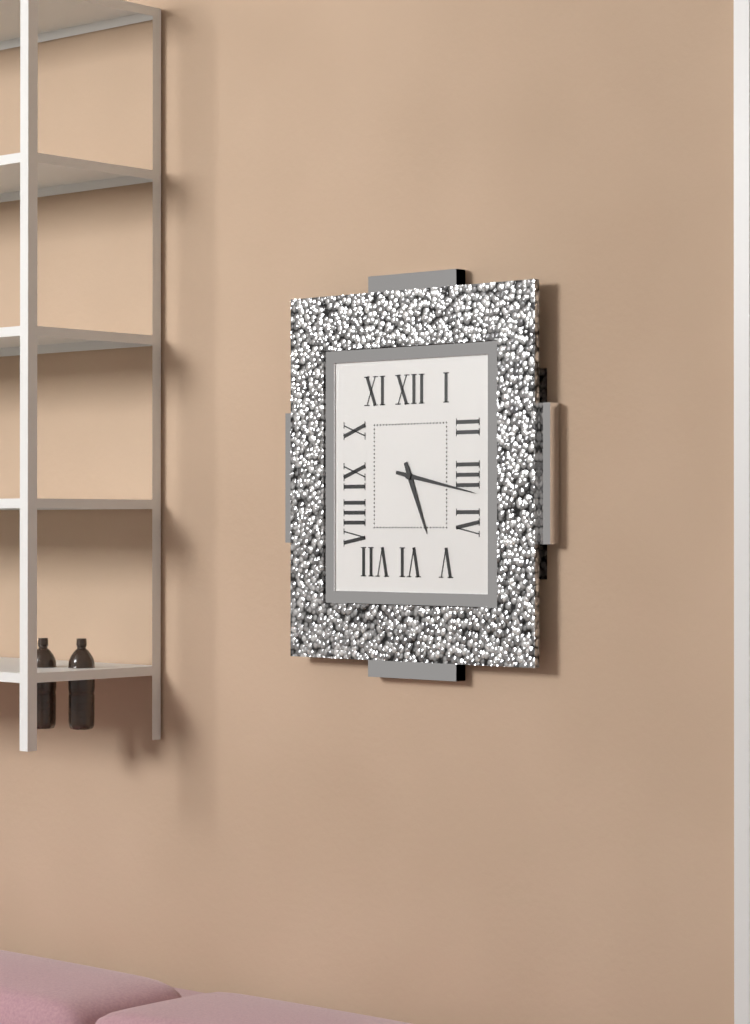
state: 5:17
